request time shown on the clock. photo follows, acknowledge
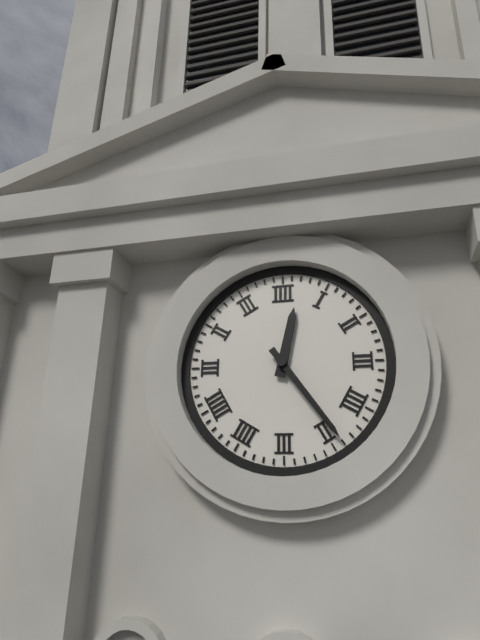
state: 12:24
